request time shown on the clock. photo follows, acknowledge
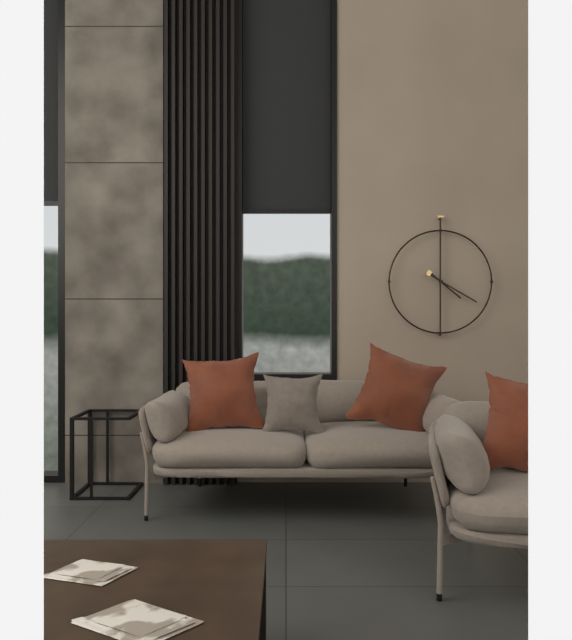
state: 4:20
